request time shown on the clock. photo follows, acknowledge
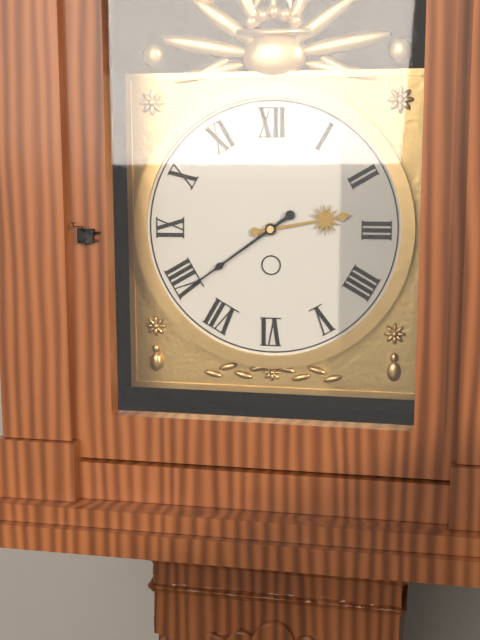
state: 2:39
